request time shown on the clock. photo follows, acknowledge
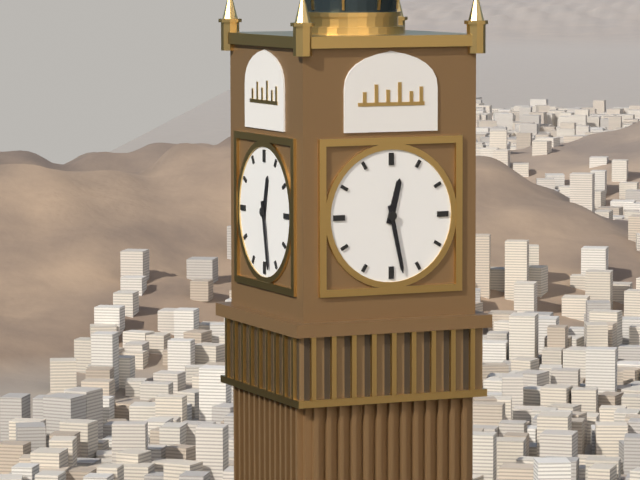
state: 12:28
